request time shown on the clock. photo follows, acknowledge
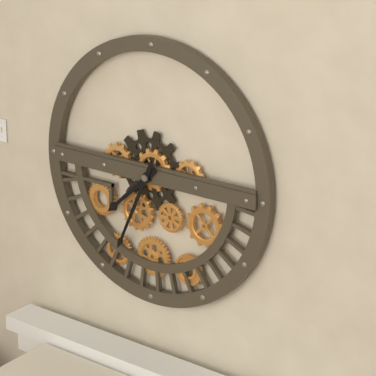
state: 7:34
